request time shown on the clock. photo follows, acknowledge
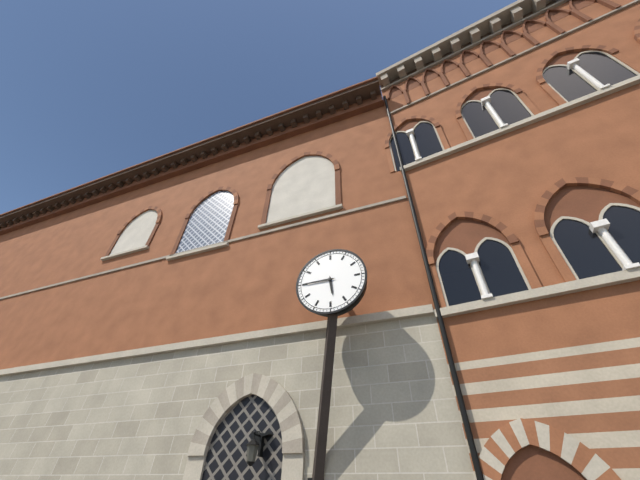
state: 5:45
